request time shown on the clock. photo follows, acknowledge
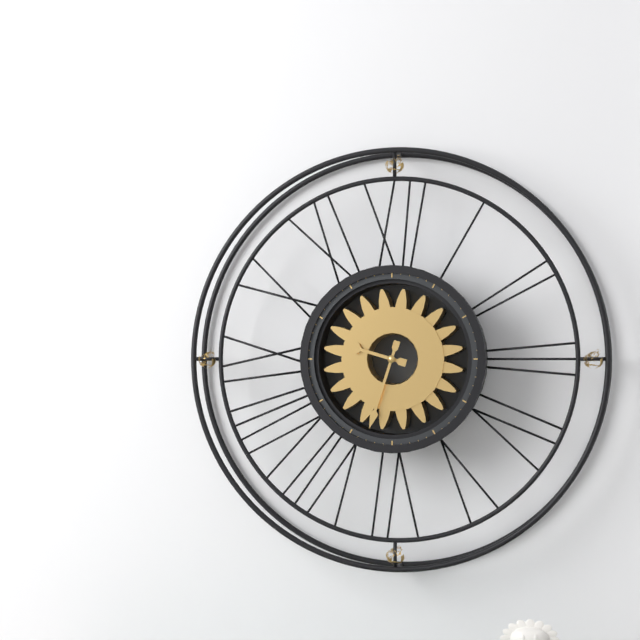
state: 9:33
